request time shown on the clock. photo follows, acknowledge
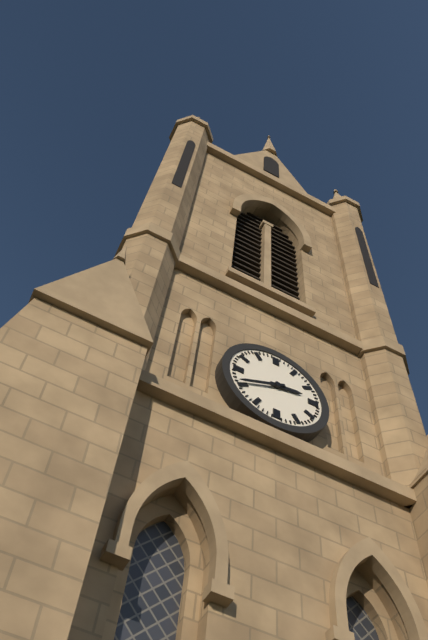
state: 2:41
